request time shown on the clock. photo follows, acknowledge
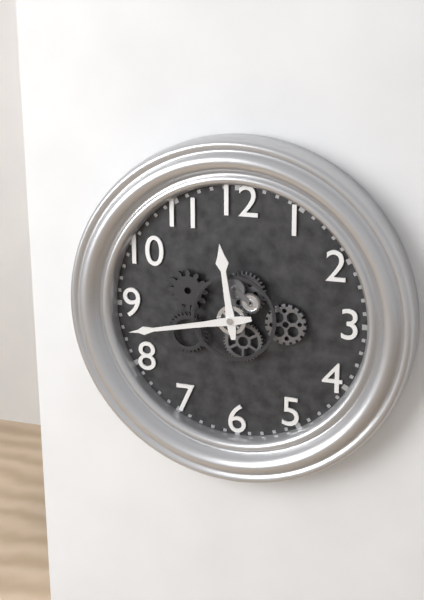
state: 11:43
